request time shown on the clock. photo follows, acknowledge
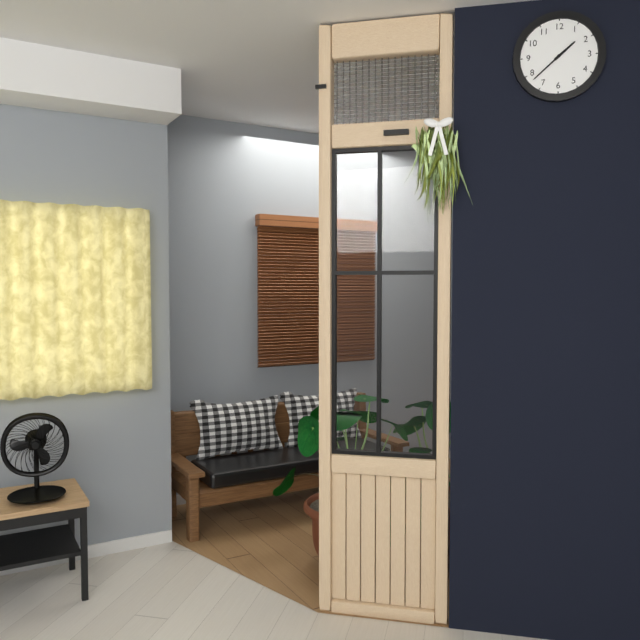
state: 1:38
